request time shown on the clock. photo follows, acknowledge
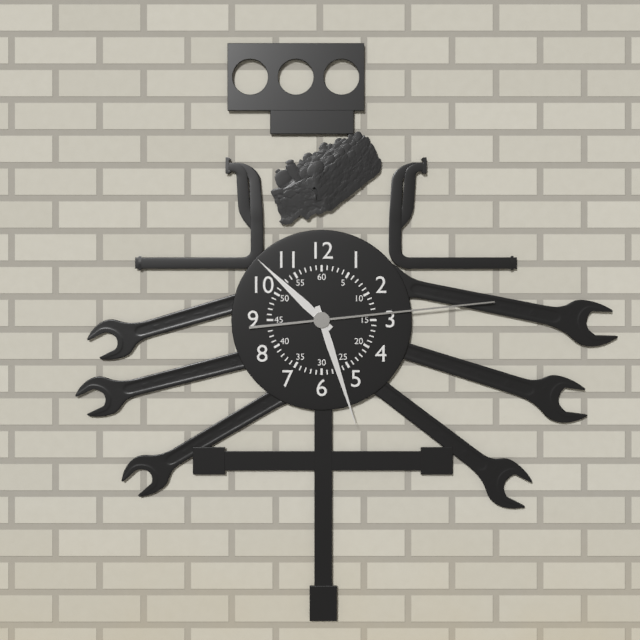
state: 10:27:14
